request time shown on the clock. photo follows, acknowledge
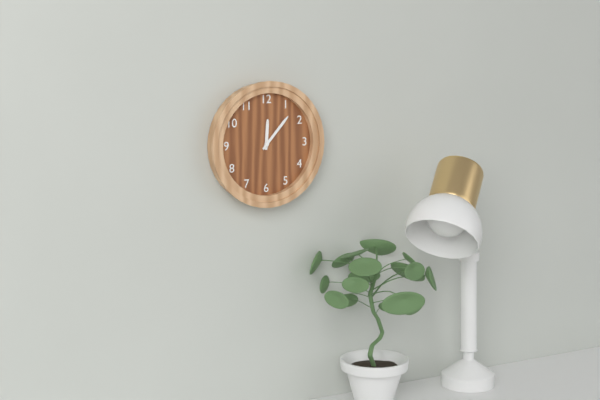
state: 12:07
